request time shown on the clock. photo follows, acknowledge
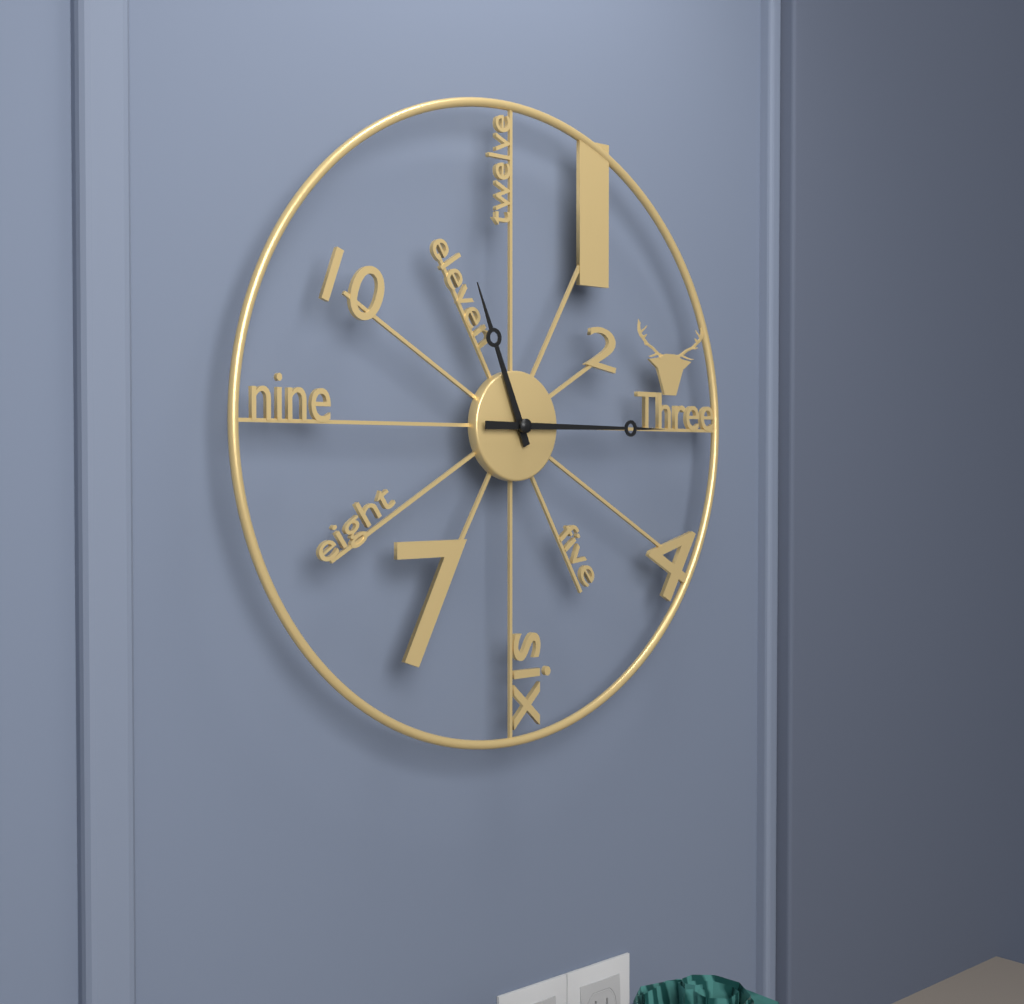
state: 11:15
